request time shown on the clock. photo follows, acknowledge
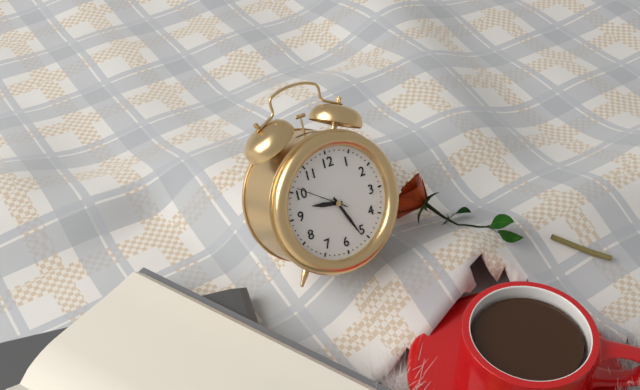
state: 9:26:51
